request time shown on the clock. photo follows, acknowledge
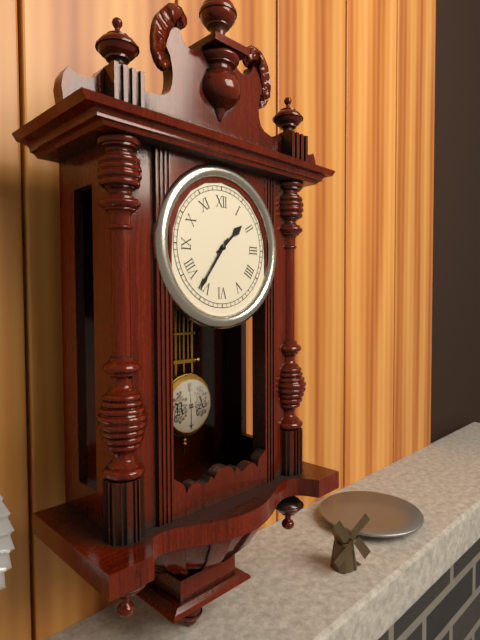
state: 1:36
